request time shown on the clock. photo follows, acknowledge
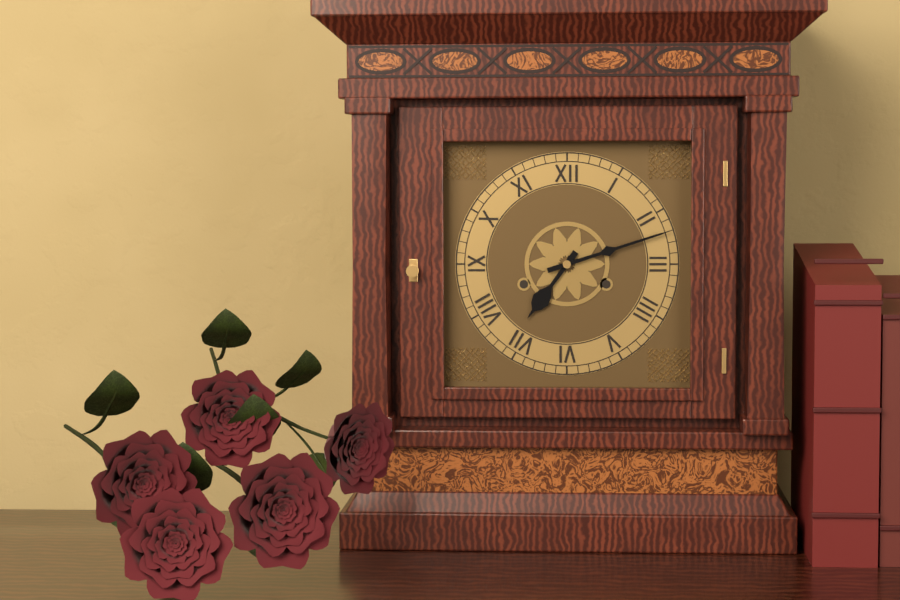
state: 7:12
